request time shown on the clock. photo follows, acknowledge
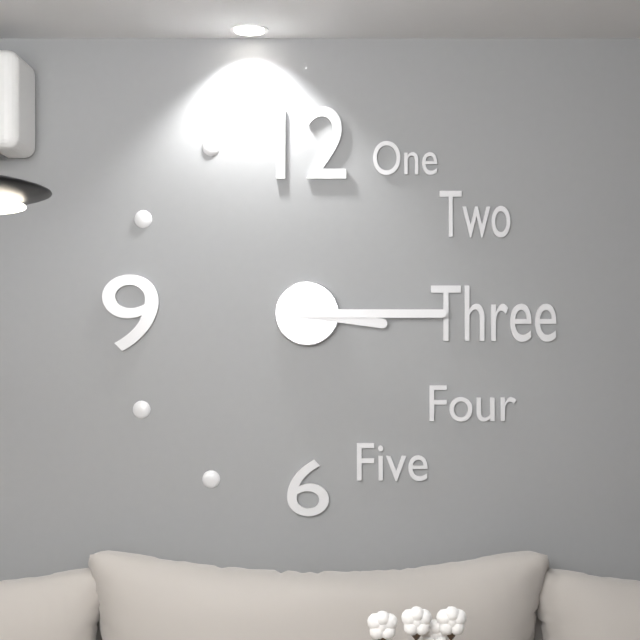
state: 3:15
